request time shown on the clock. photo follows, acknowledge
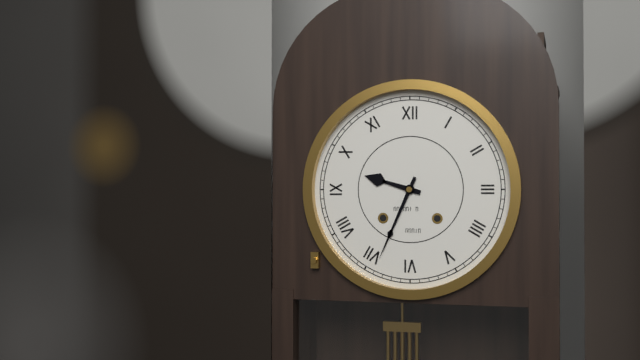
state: 9:34
